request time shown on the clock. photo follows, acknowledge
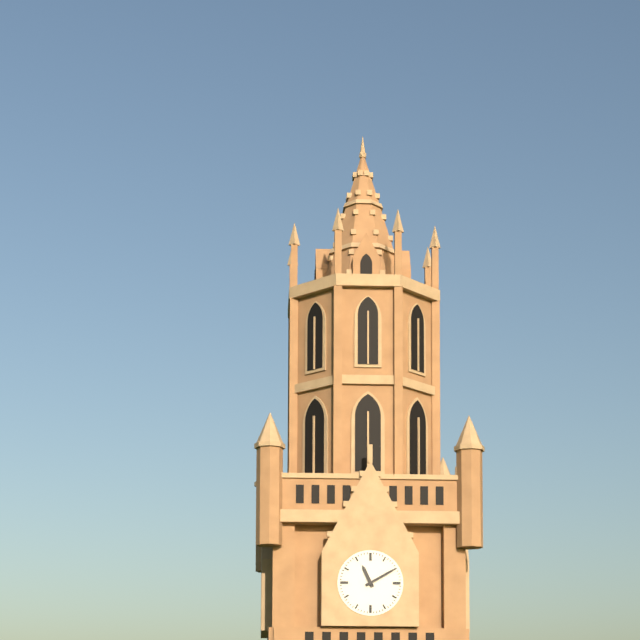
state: 11:10
